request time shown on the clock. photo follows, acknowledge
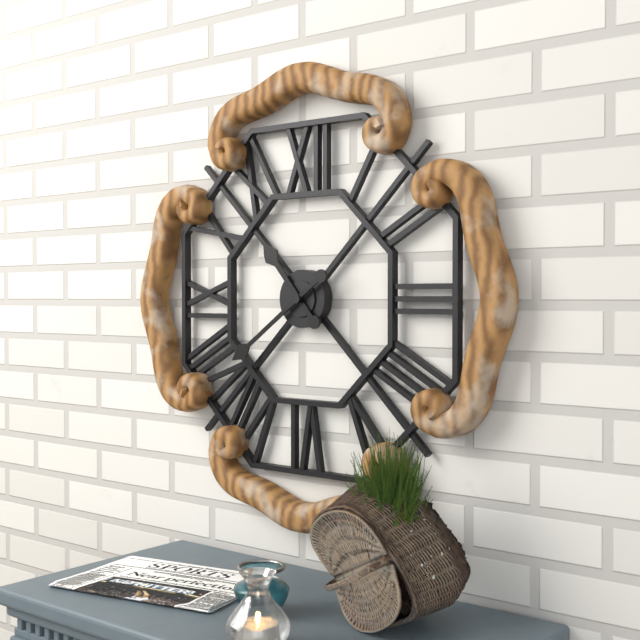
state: 10:39
